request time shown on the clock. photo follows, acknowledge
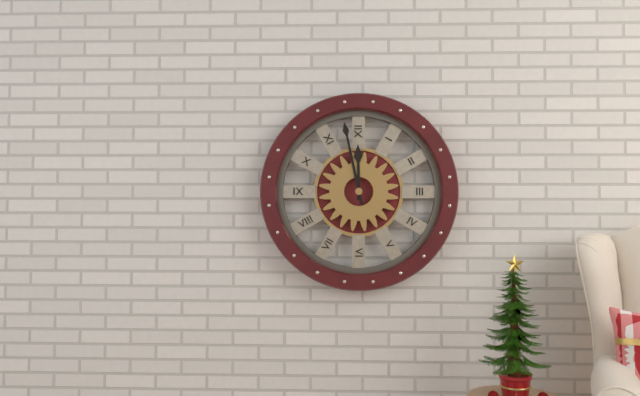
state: 11:58
